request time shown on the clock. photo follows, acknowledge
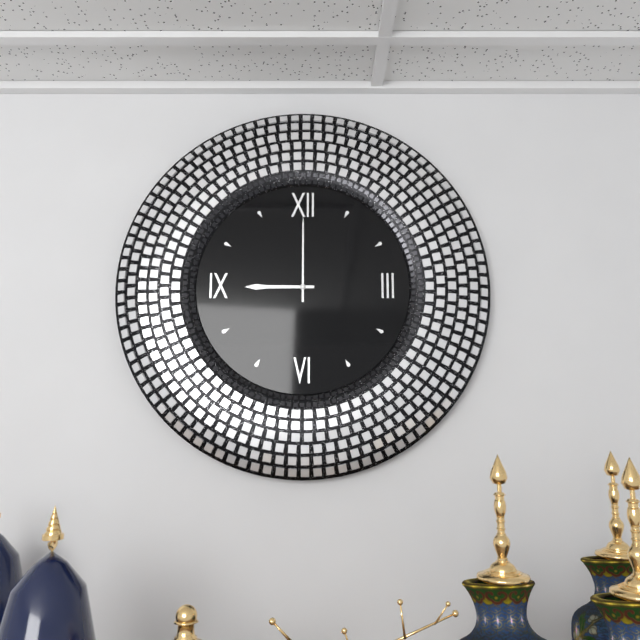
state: 9:00
